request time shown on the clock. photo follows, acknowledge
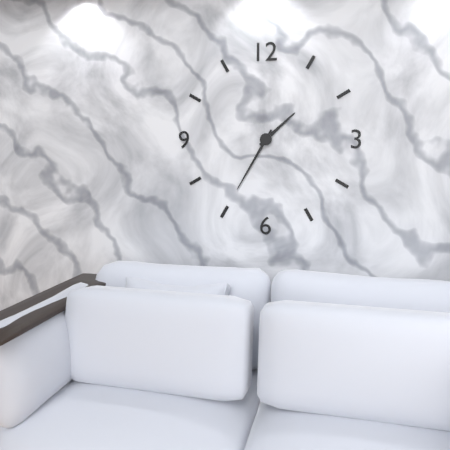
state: 1:35
